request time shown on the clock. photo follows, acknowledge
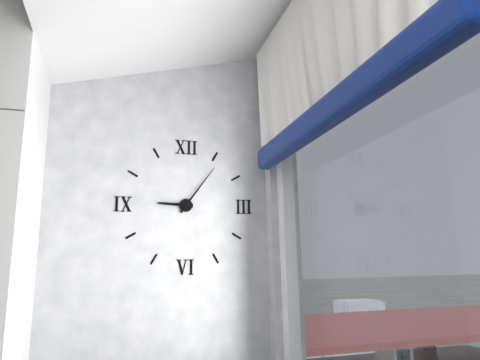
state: 9:06
